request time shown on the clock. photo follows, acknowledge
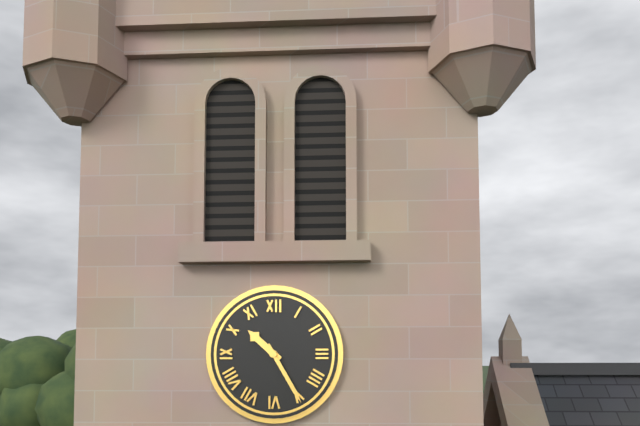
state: 10:25
